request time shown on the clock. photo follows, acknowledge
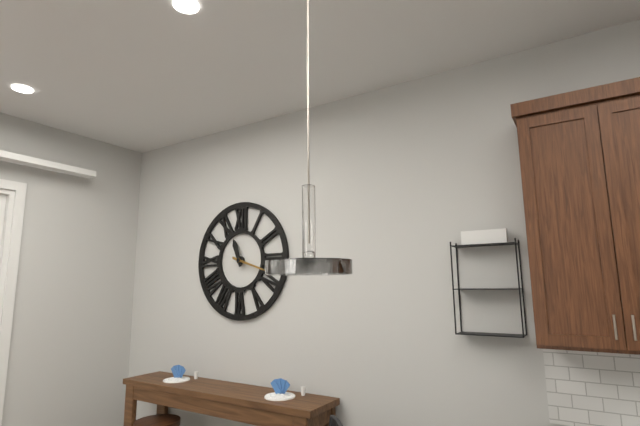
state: 11:18
